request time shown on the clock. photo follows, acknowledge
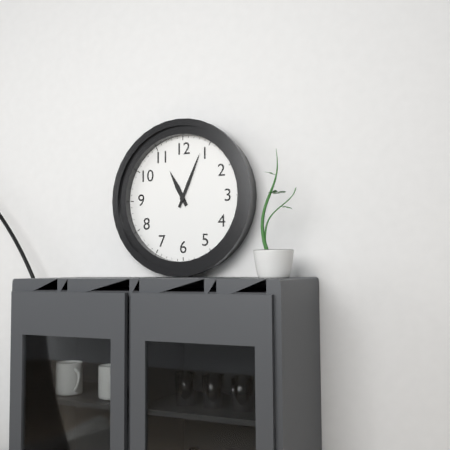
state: 11:04
